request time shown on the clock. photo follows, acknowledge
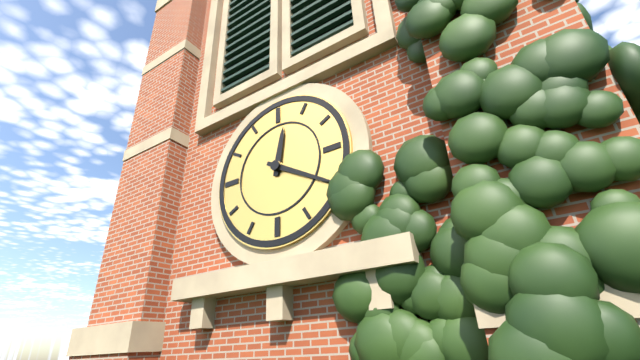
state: 12:20
